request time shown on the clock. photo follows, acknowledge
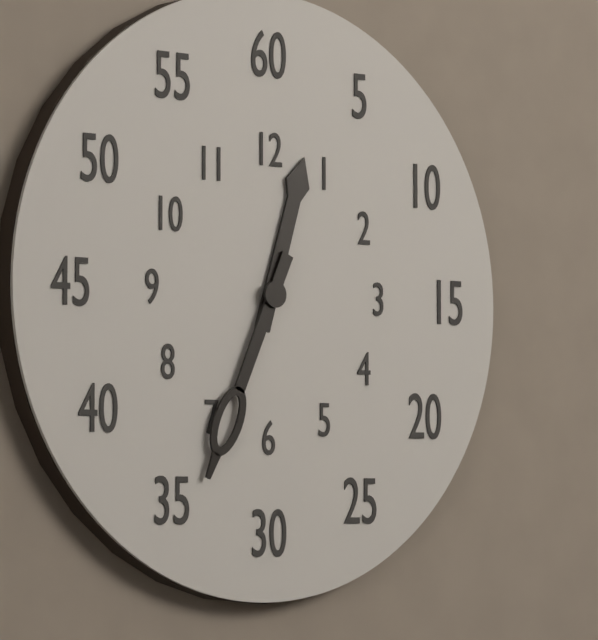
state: 12:34
